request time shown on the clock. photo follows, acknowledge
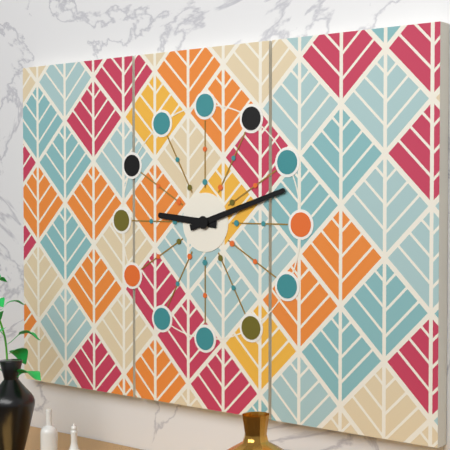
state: 9:12
